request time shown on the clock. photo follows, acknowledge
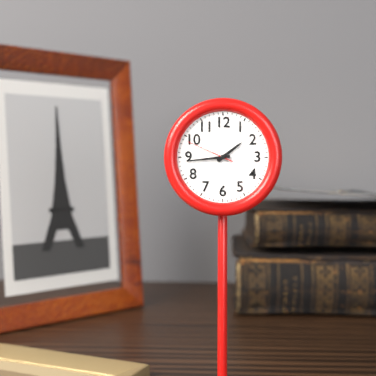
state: 1:44:49
